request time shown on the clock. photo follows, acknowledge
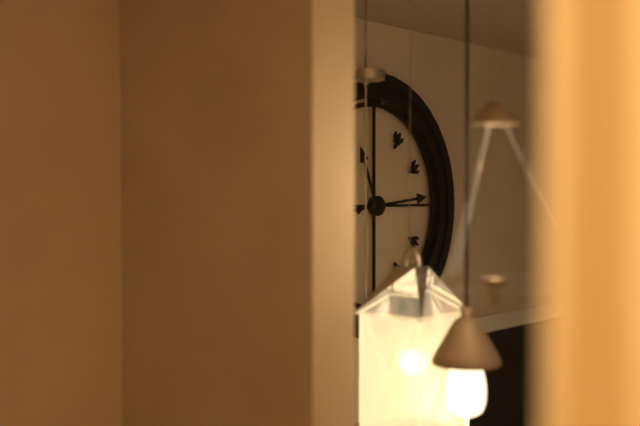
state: 11:14
